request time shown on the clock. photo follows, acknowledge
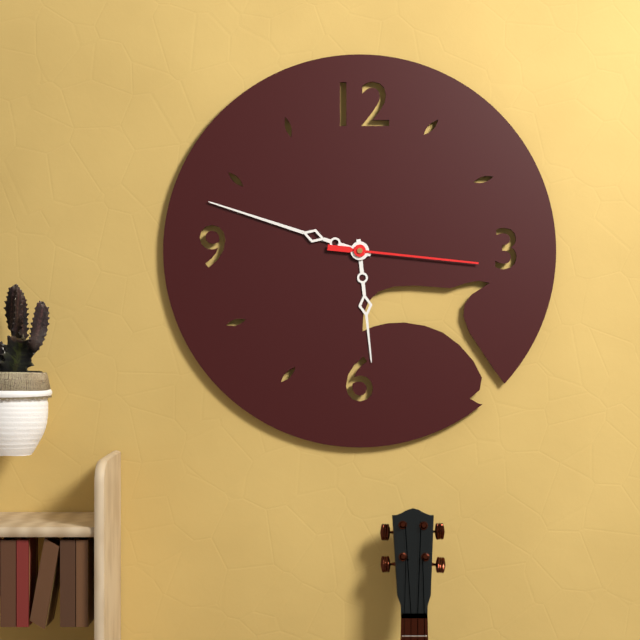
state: 5:48:16
